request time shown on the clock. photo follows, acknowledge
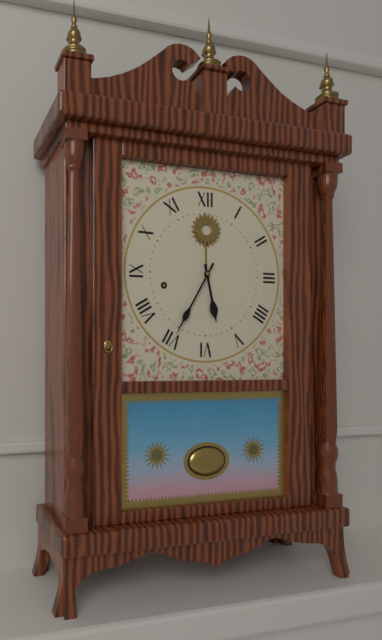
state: 5:35
